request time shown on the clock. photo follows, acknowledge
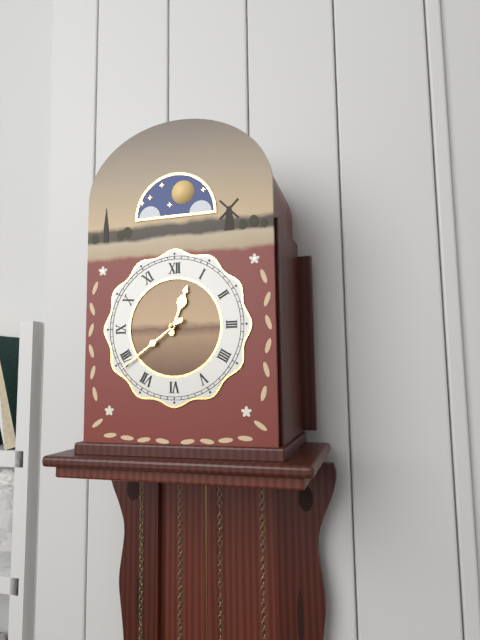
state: 12:39
